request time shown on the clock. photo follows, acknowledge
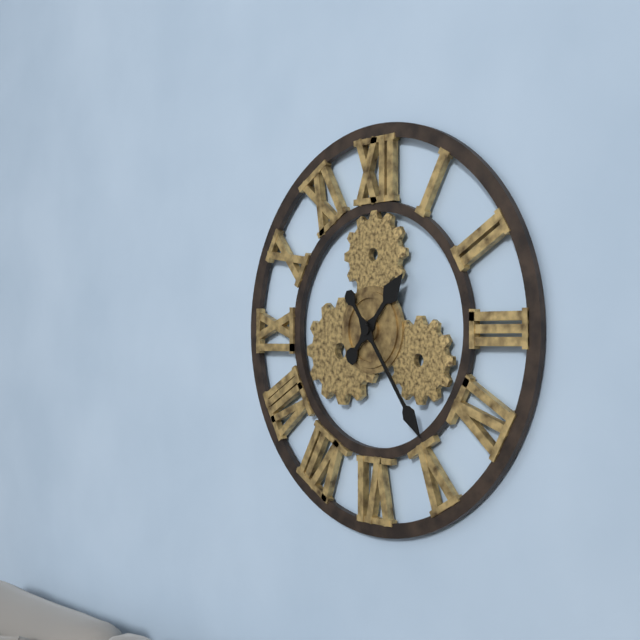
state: 1:24
